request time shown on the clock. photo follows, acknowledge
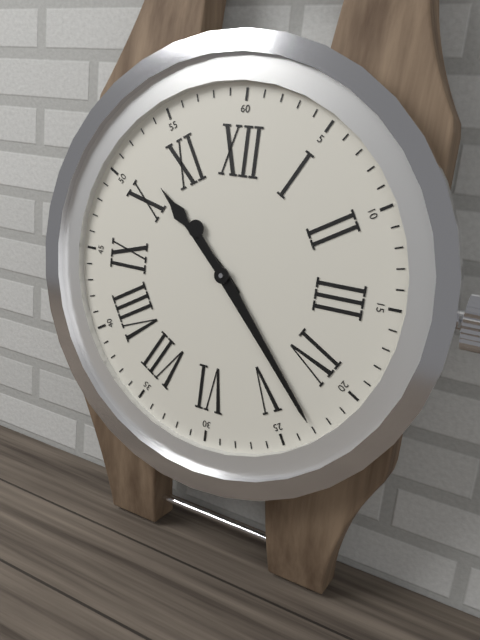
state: 10:23
